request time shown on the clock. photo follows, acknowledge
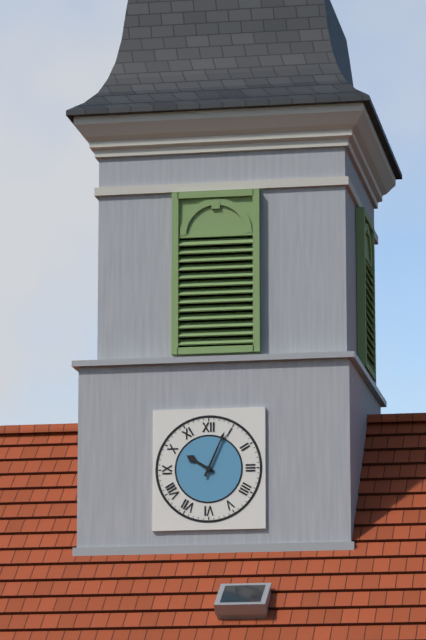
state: 10:04
